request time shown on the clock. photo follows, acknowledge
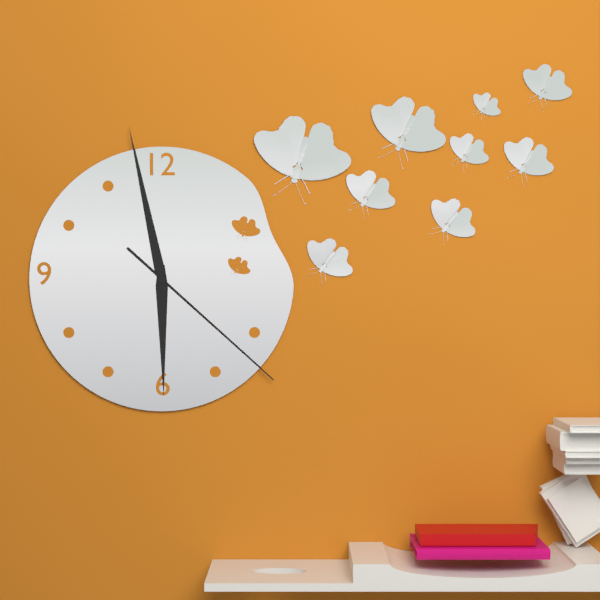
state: 5:58:22
